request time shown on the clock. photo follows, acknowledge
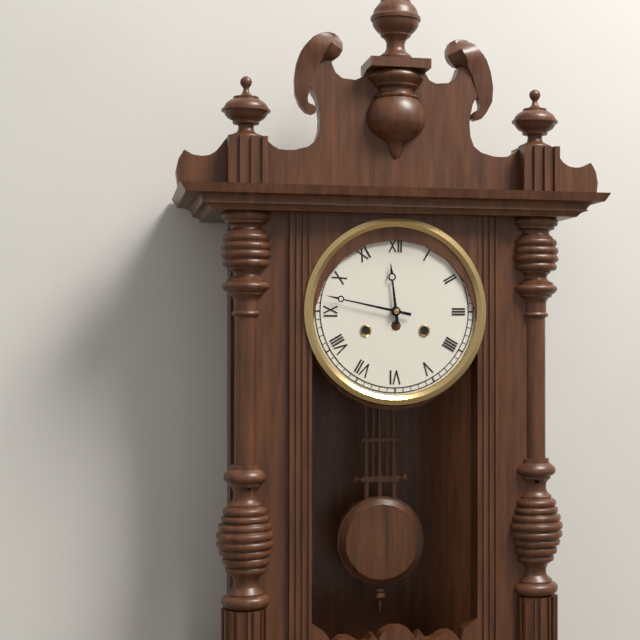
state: 11:47
